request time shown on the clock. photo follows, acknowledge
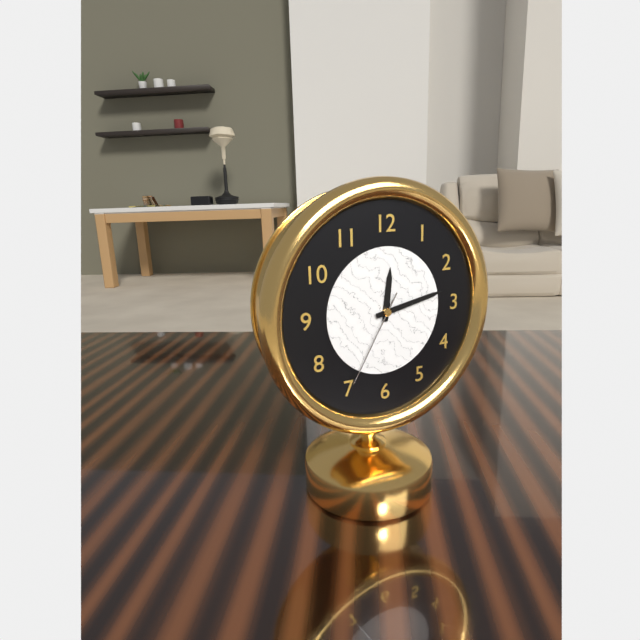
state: 12:13:35
